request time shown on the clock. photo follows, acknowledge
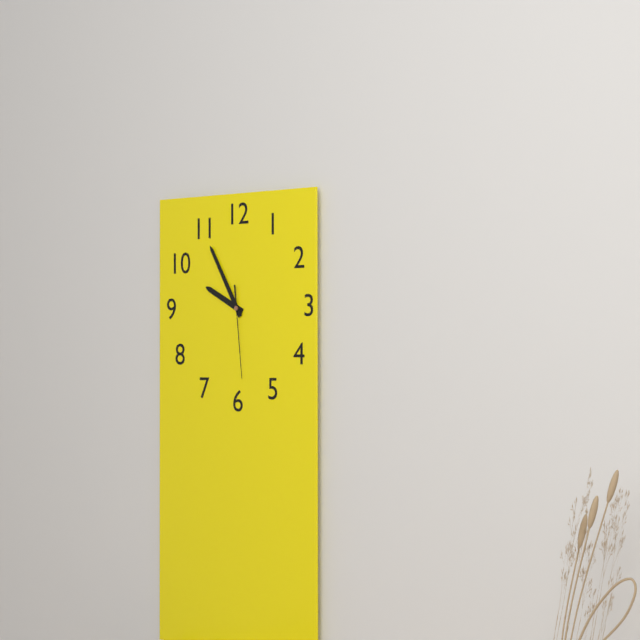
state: 9:55:29
